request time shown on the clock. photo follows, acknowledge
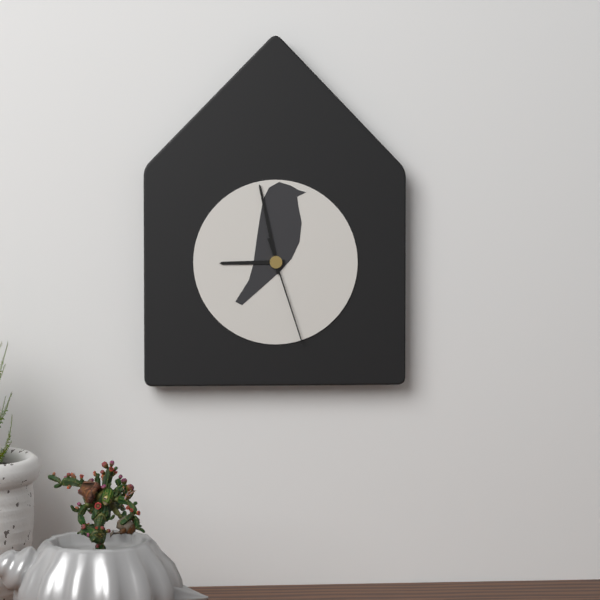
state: 8:58:27
